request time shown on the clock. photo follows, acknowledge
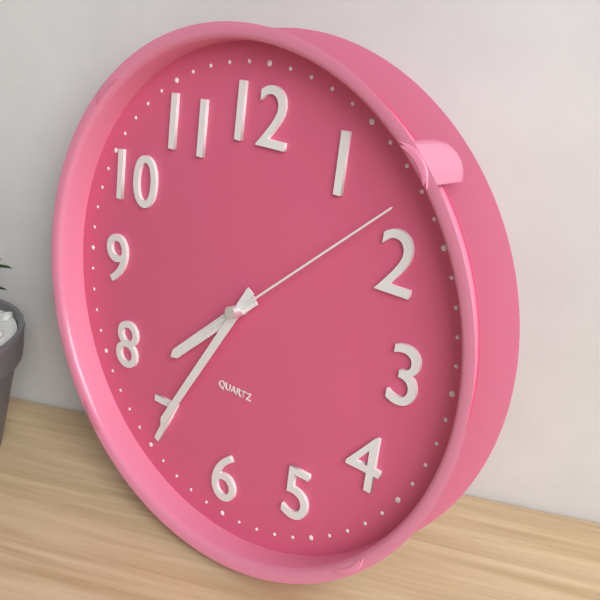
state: 7:35:08
